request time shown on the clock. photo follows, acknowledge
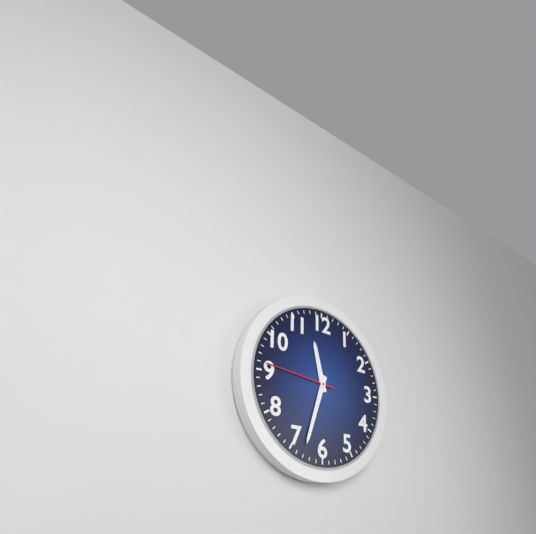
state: 11:33:46
